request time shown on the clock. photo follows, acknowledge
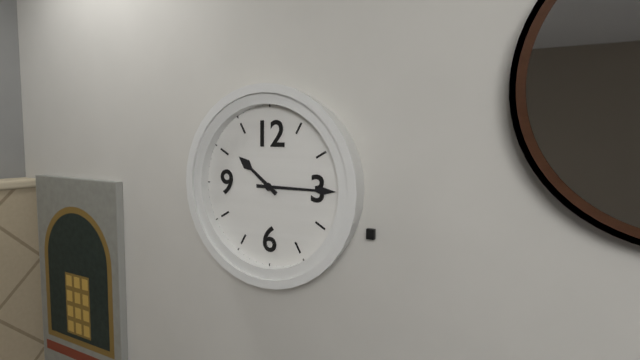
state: 10:15
